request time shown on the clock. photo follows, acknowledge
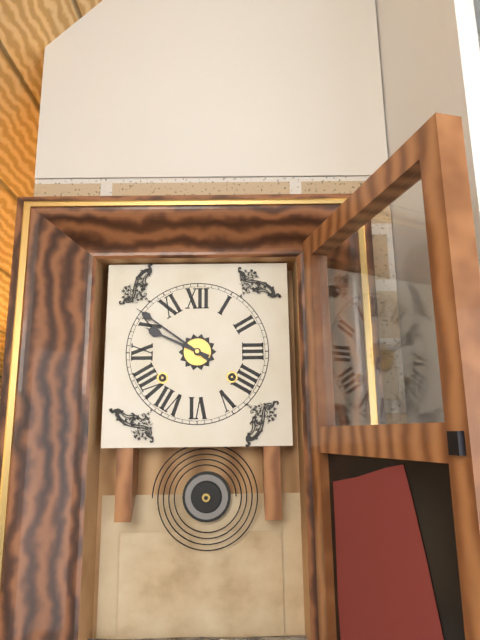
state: 9:51
